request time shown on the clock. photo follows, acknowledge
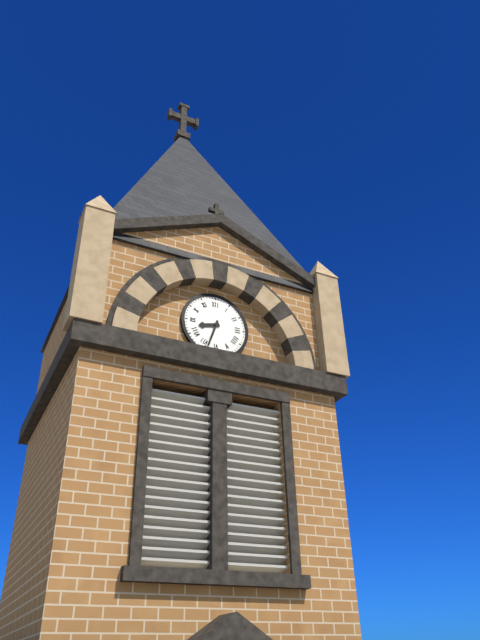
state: 8:33
